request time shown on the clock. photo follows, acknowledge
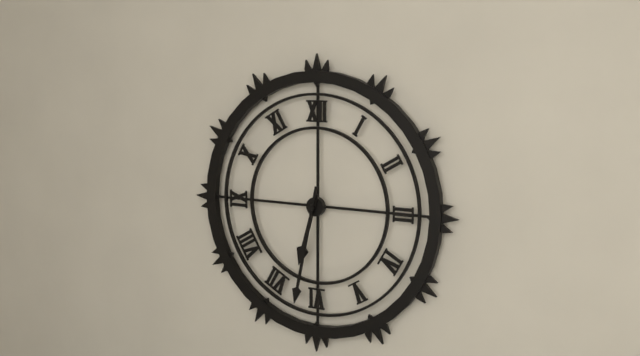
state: 6:32
